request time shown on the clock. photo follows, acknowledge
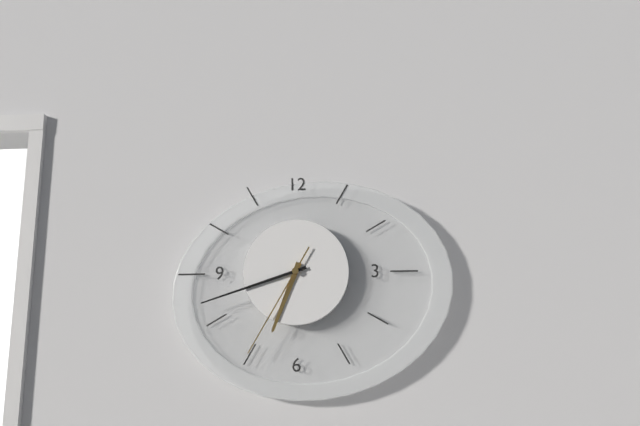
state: 6:42:35
